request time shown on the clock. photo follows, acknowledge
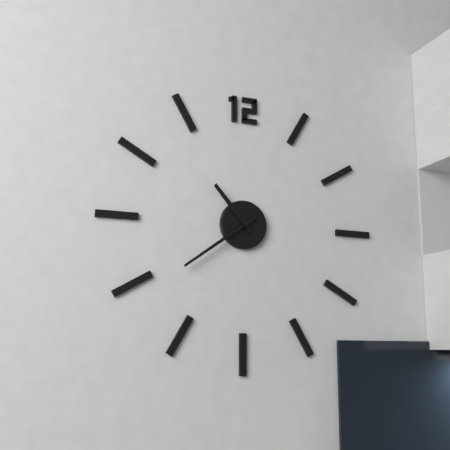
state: 10:39
